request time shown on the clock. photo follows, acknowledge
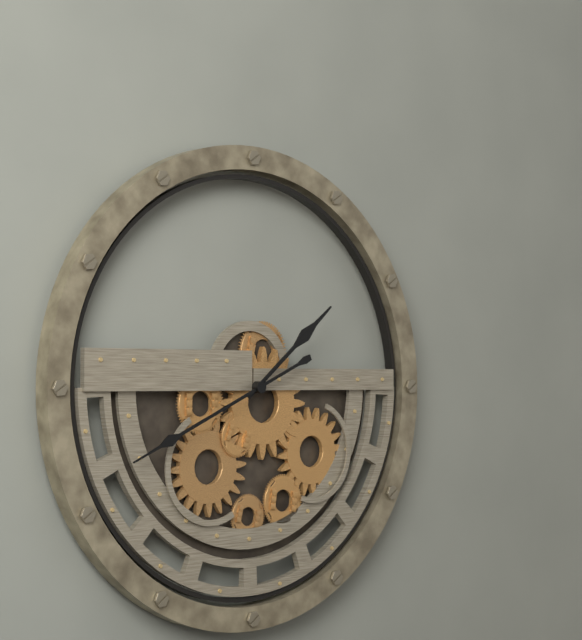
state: 1:41
